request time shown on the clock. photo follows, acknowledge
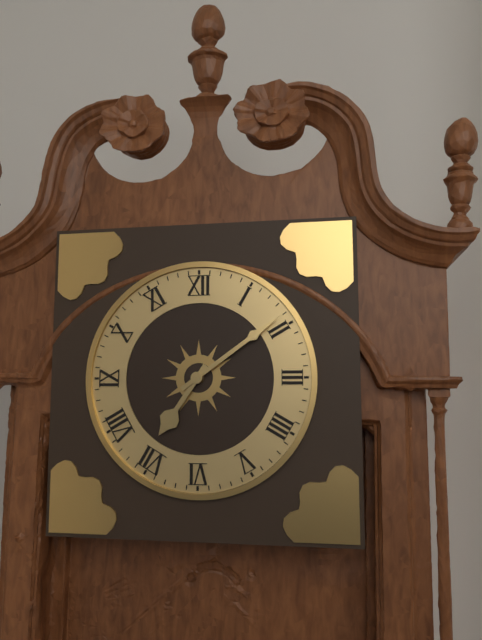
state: 7:09
